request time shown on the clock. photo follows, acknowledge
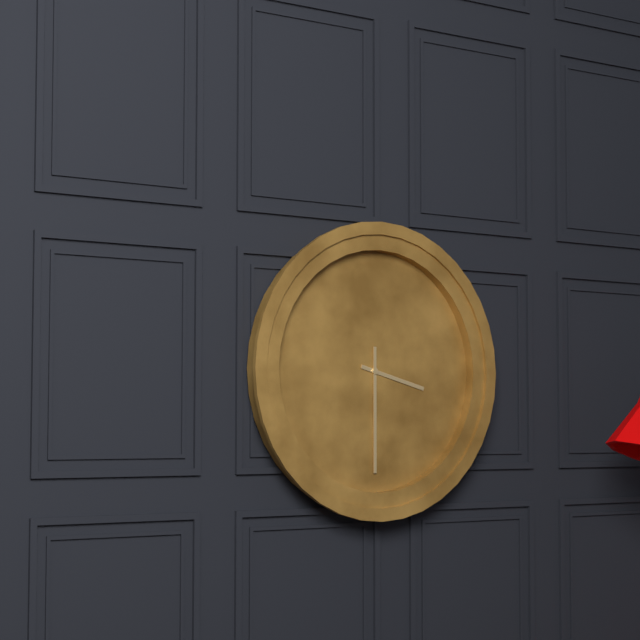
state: 3:30
